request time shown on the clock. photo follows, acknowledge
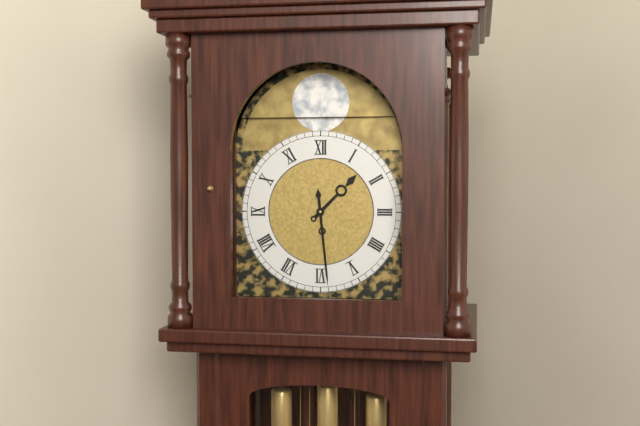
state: 1:29
